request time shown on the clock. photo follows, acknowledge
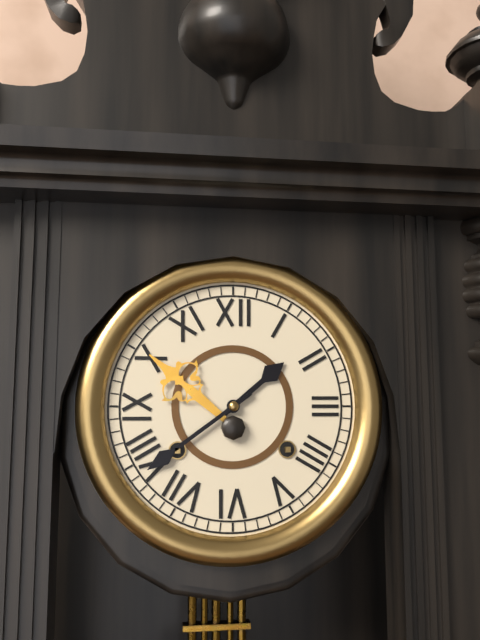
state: 1:39
